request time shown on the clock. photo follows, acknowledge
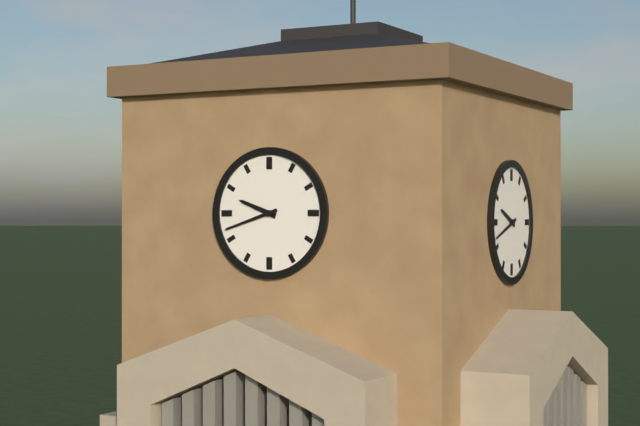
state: 9:42
